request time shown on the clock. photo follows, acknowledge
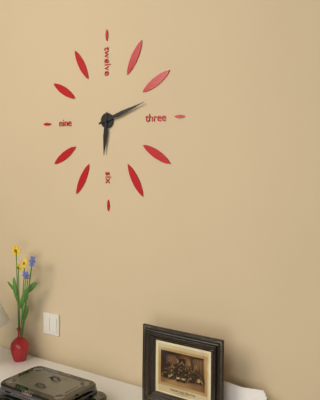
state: 6:12
